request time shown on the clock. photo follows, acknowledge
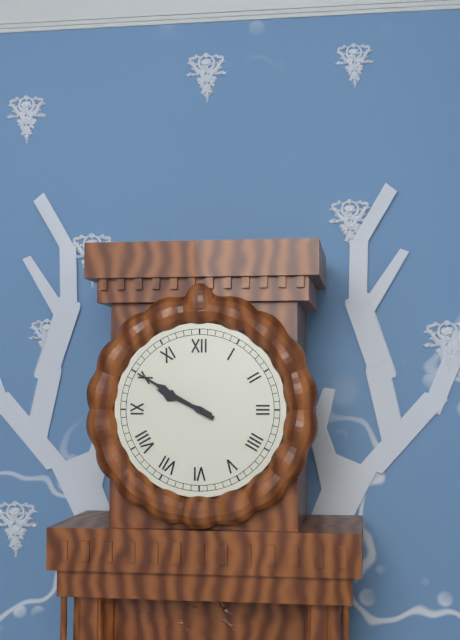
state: 9:50
